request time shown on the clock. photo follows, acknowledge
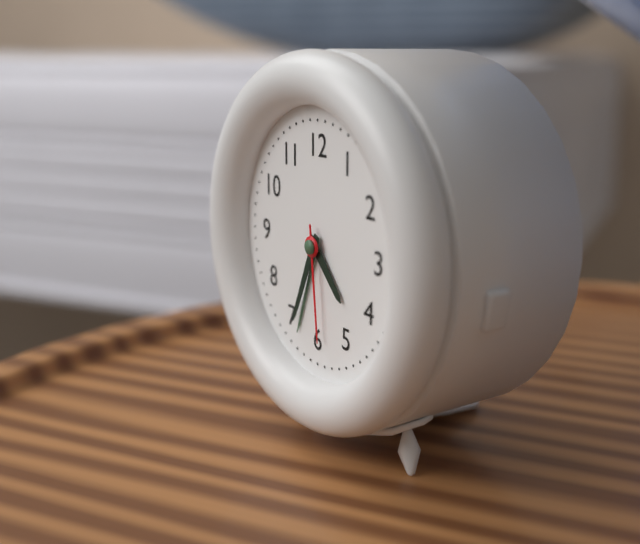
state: 4:34:29
